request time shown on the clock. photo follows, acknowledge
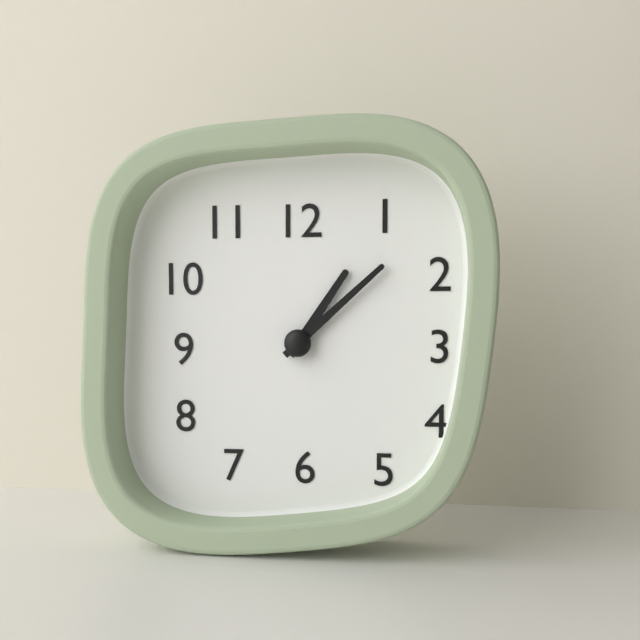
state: 1:08
